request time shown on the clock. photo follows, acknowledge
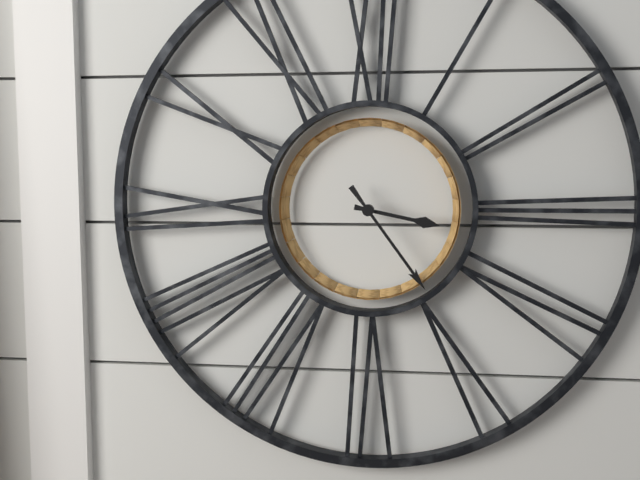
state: 3:24
